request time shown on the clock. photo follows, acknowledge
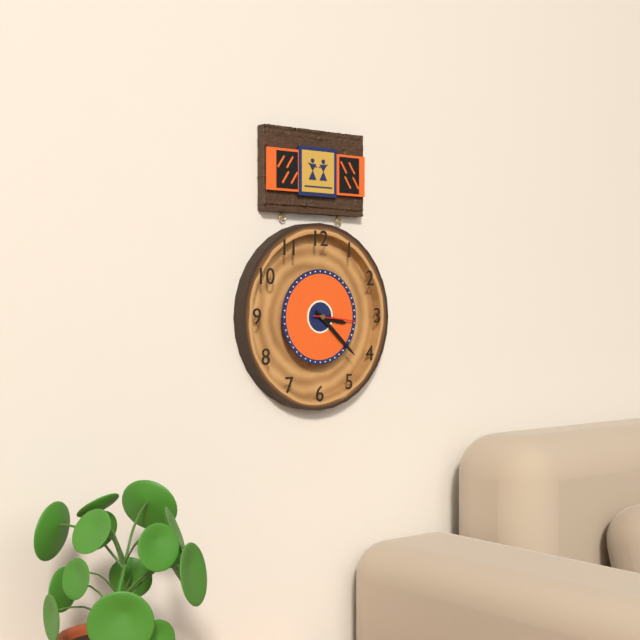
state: 3:22
